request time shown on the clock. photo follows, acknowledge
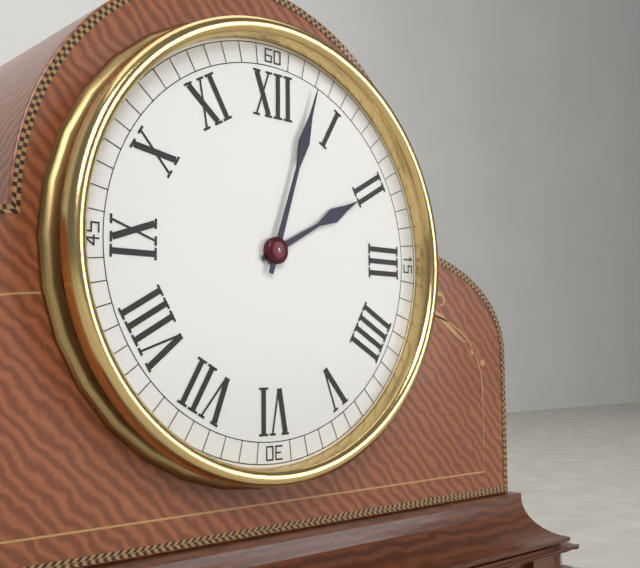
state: 2:03
